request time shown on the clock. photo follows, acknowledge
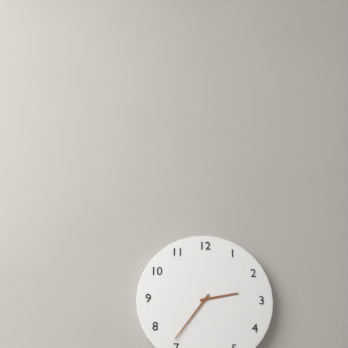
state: 2:36
